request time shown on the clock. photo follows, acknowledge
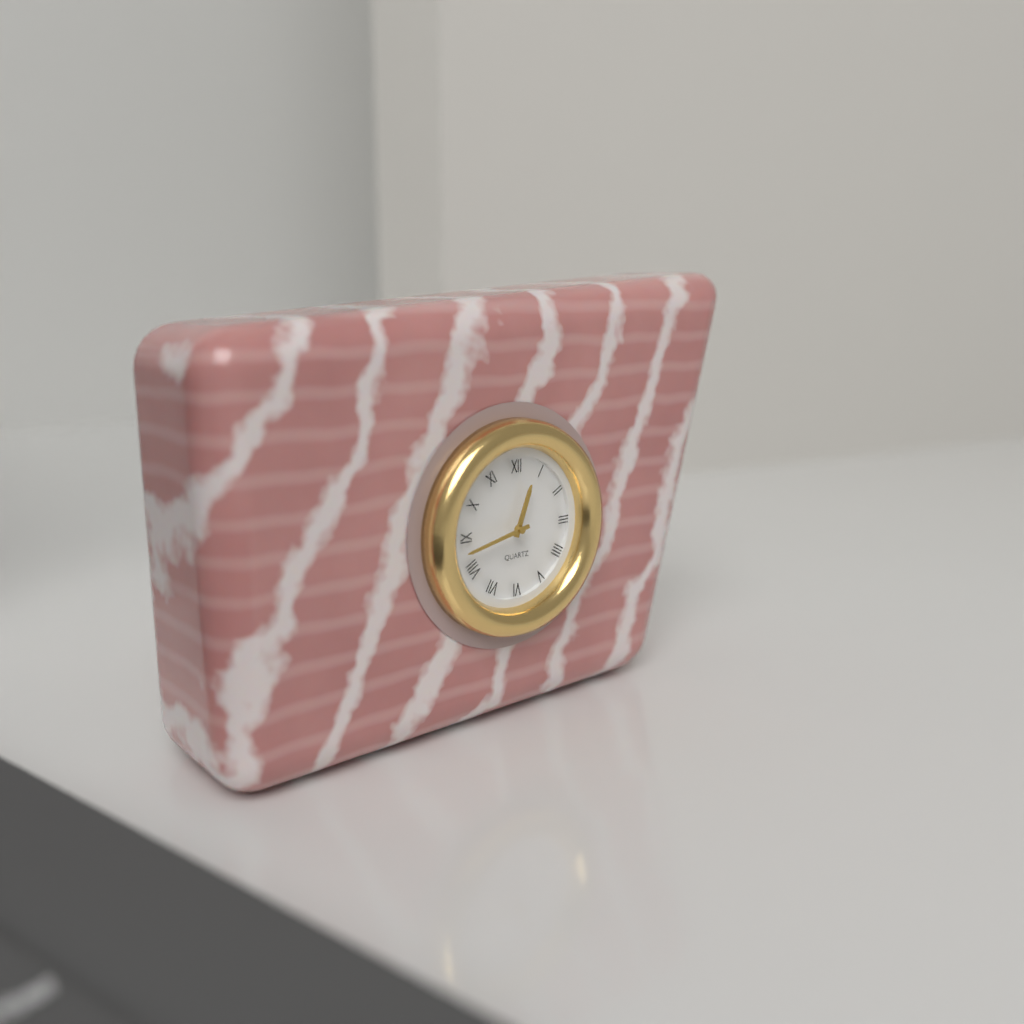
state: 12:43
